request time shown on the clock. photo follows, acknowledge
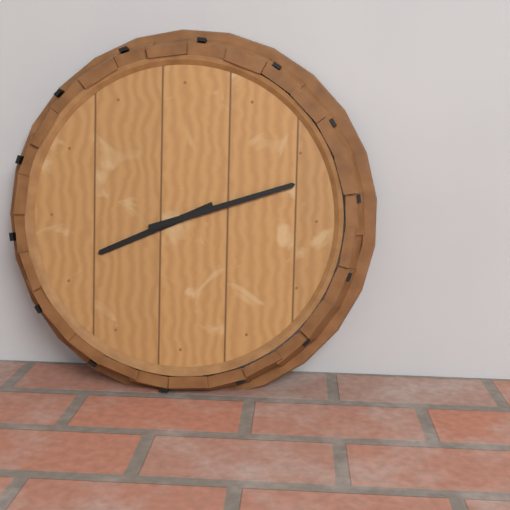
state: 8:12
